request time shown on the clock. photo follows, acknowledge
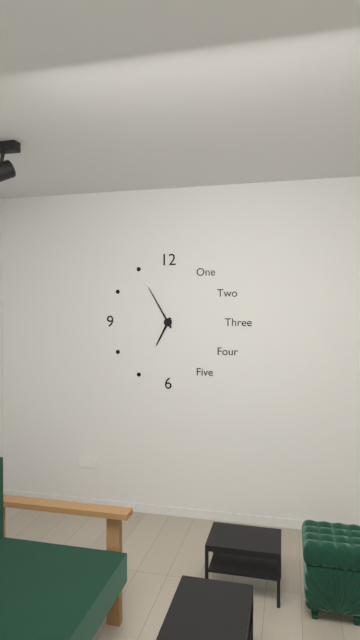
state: 6:55
